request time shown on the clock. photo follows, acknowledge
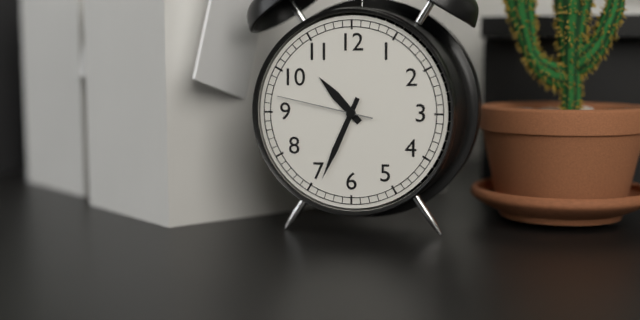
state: 10:34:47
